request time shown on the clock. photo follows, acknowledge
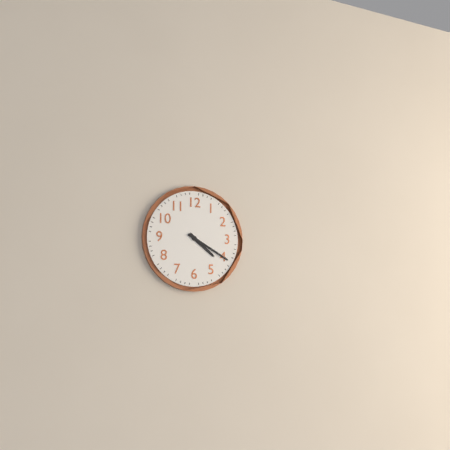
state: 4:20
